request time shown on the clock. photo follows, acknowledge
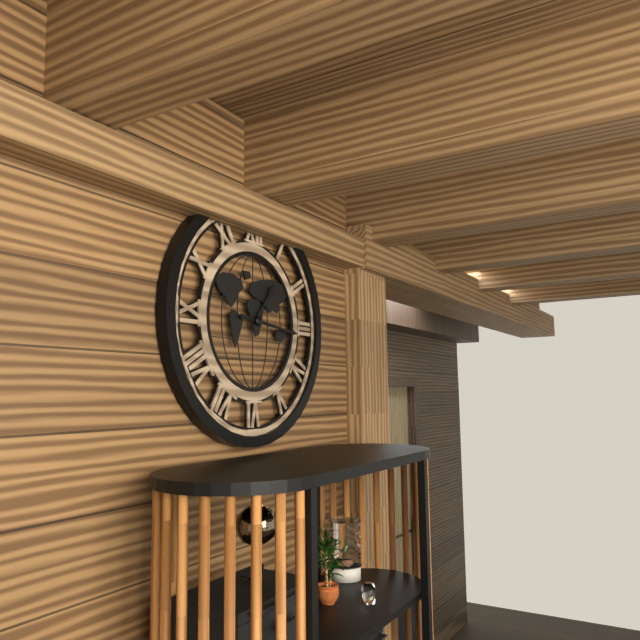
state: 1:16
